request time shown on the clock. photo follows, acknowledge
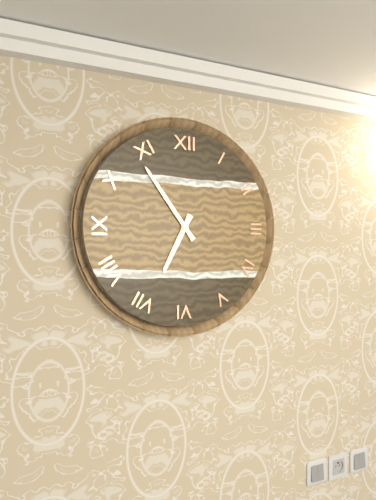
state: 6:54
